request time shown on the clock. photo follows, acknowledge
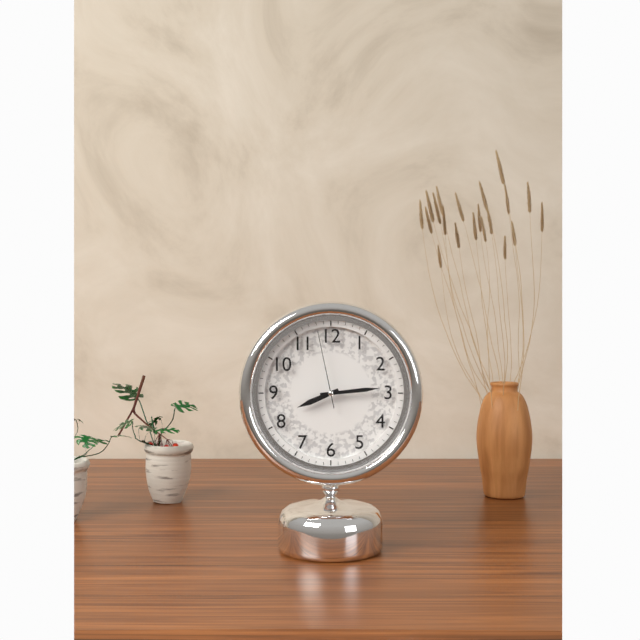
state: 8:14:58
